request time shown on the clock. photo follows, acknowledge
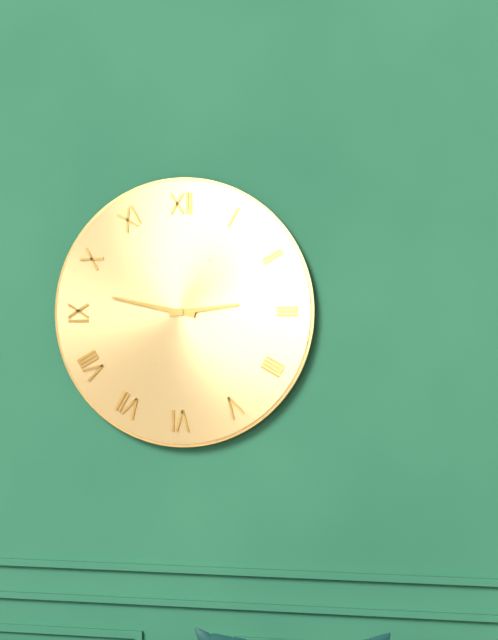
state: 2:47
